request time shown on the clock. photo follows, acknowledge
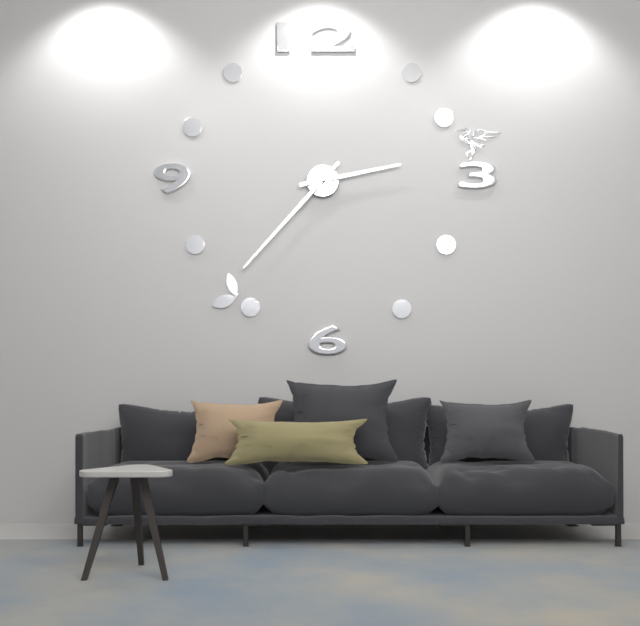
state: 2:37
